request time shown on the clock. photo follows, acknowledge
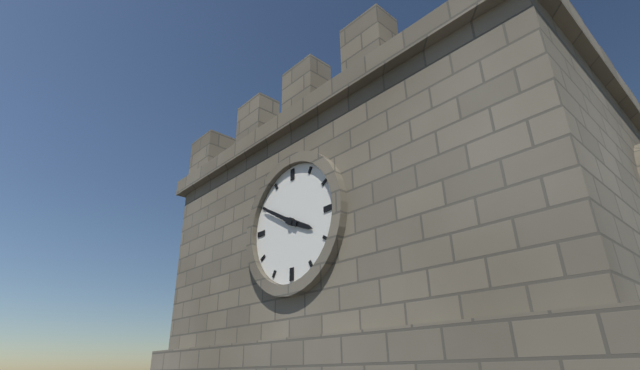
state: 3:50
